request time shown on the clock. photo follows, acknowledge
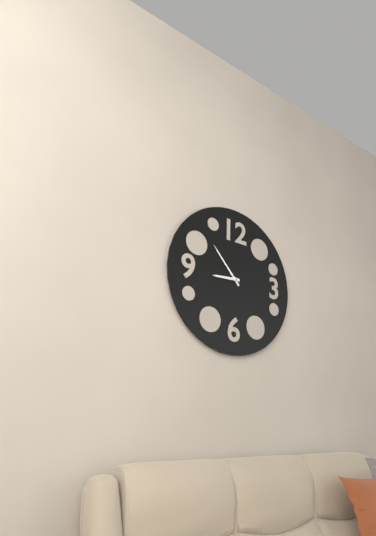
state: 8:53
